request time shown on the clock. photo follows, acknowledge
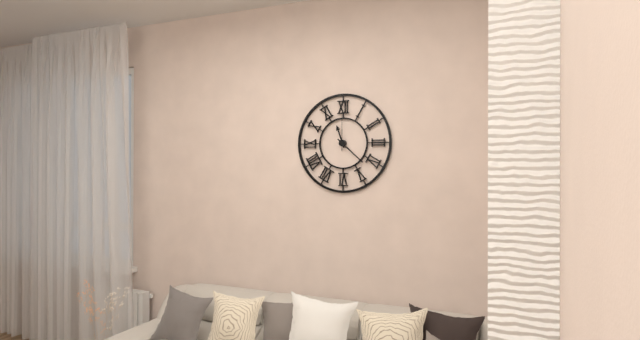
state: 11:22
